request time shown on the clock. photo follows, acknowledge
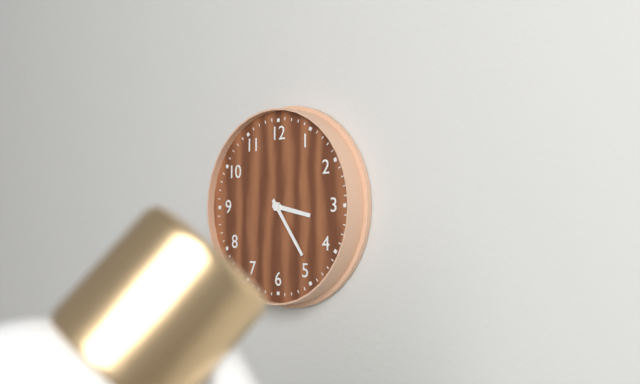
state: 3:24
